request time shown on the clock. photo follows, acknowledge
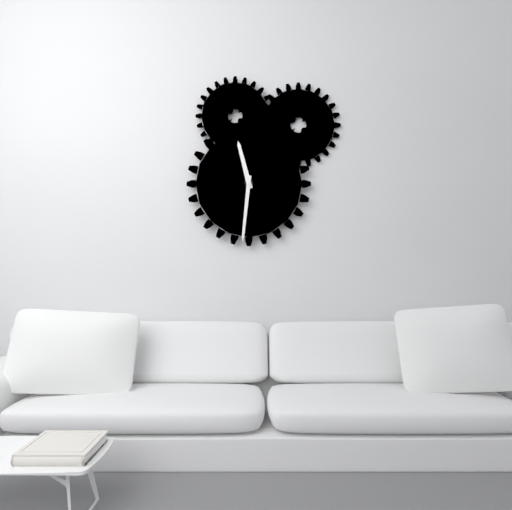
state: 11:31
